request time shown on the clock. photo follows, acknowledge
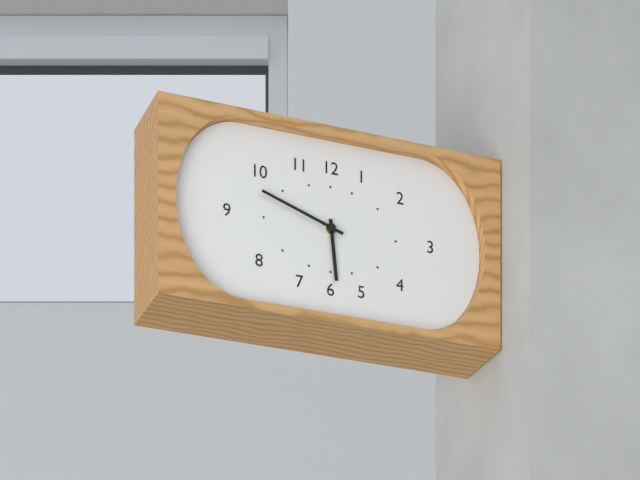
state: 5:48
